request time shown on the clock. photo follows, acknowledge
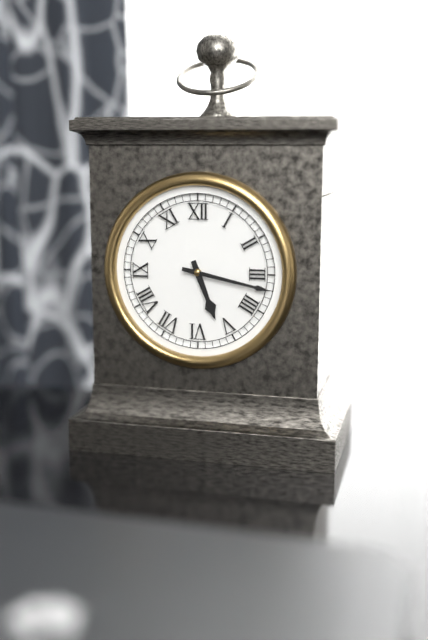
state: 5:17
